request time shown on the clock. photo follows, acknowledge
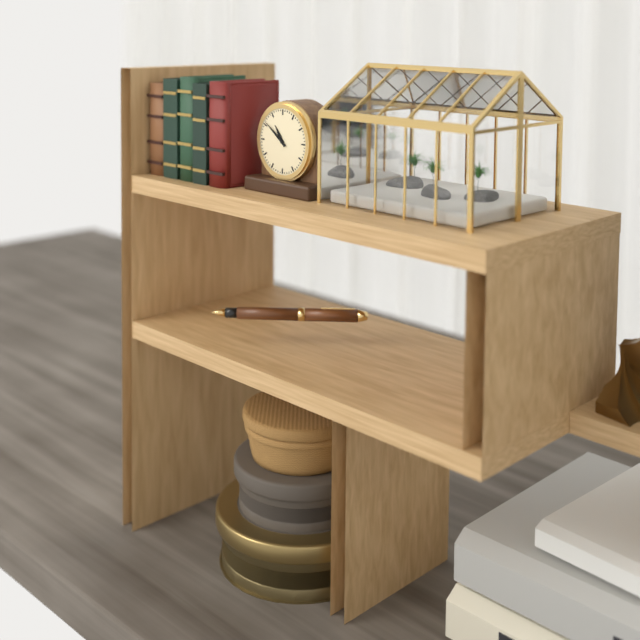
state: 10:51
